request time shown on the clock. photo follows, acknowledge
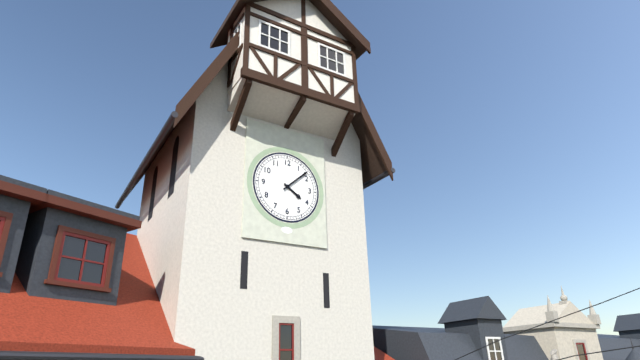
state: 4:08
